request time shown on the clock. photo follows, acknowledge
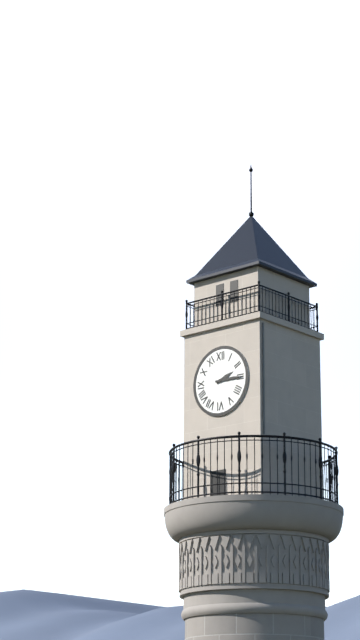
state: 2:15
